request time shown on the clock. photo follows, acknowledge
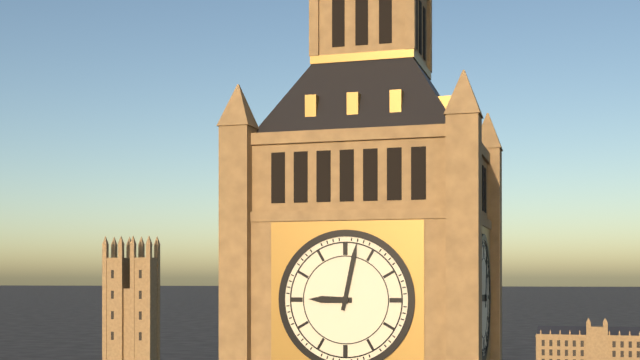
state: 9:02
